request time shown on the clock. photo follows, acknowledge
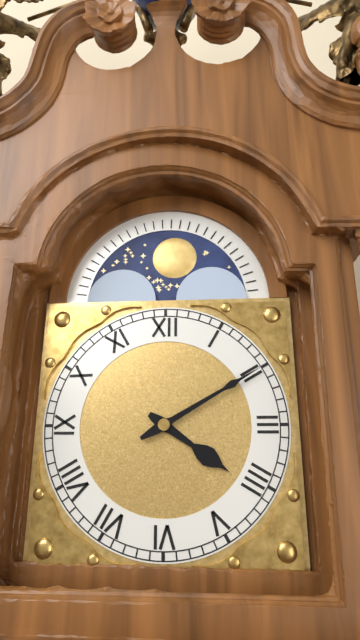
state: 4:10
